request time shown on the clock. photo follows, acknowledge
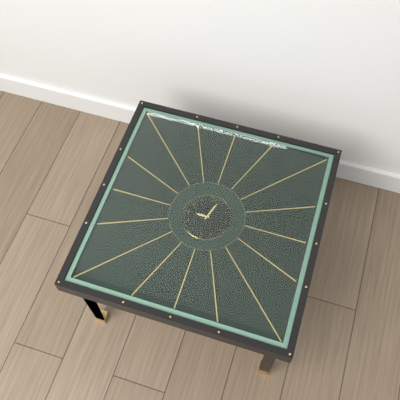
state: 9:03
